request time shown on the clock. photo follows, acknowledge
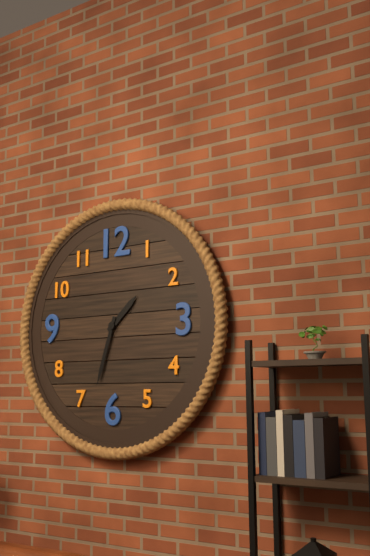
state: 1:33
